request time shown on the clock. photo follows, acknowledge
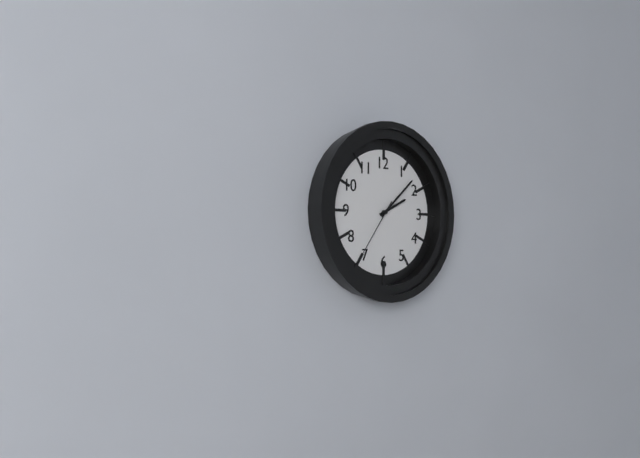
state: 2:08:36
